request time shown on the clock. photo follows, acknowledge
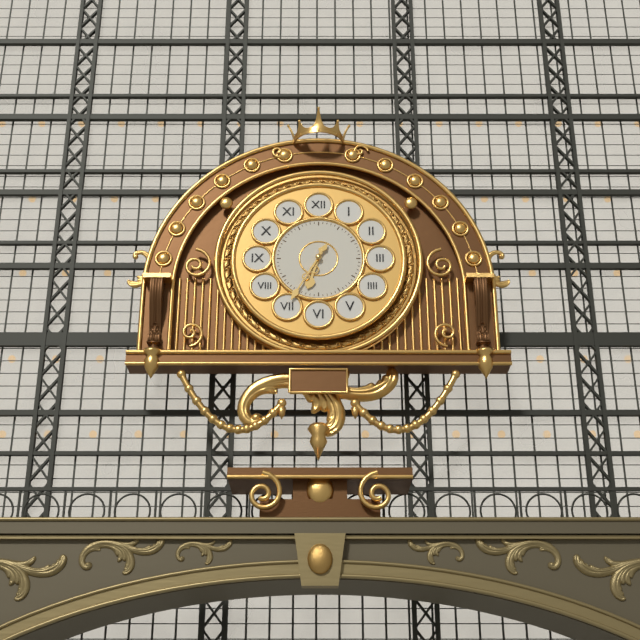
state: 6:35
